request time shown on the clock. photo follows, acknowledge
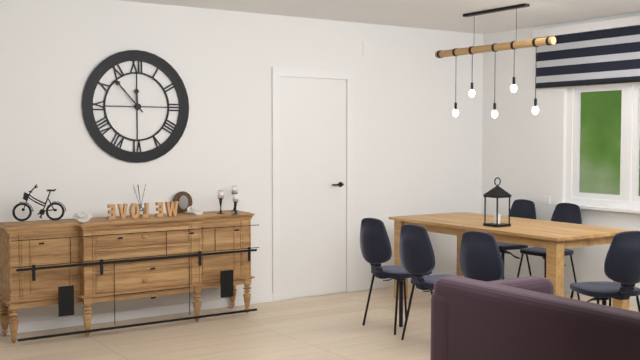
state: 11:53
